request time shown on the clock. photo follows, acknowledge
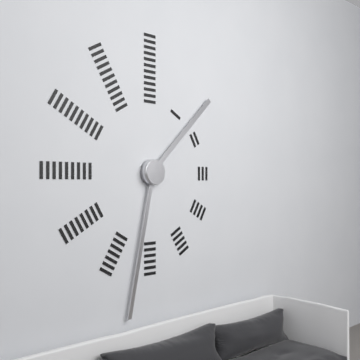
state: 1:32
